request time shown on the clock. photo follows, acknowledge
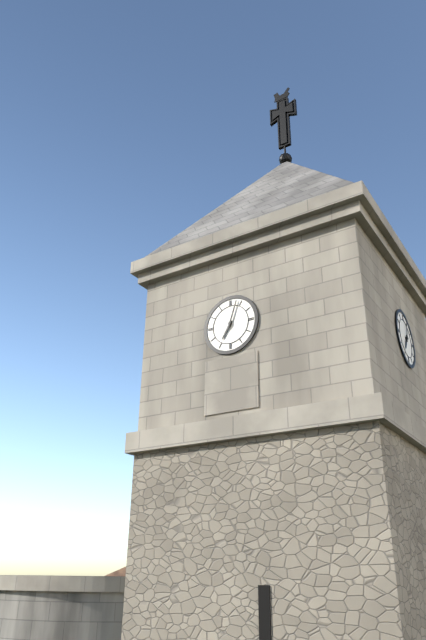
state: 7:03
